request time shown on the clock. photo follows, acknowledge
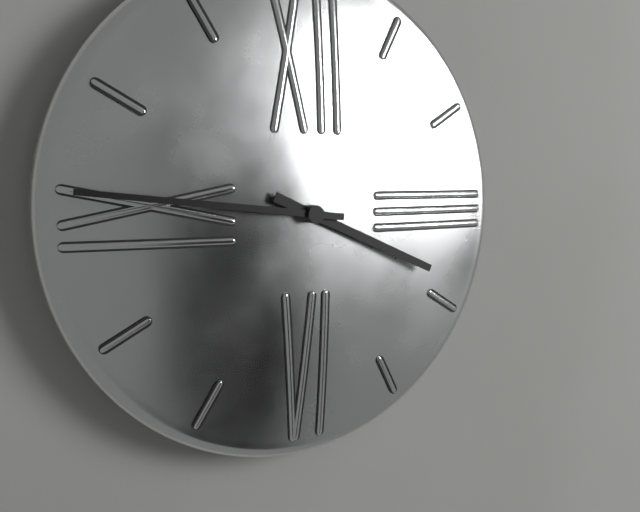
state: 3:46
